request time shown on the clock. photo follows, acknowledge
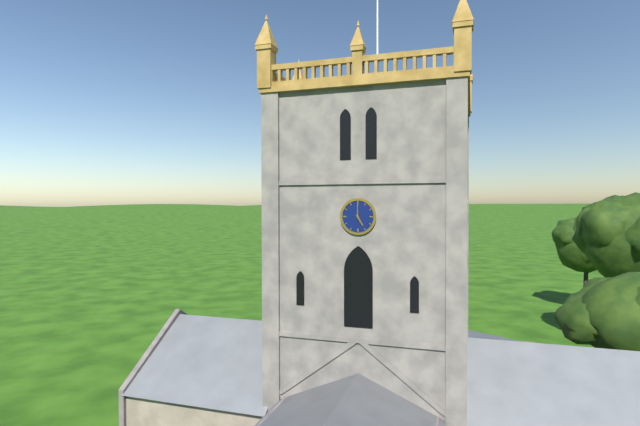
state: 5:00
